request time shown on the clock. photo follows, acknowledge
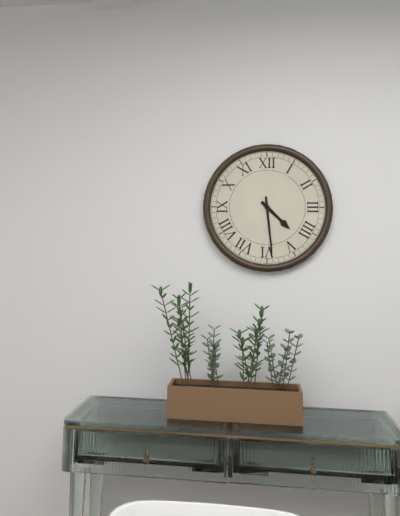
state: 4:29
